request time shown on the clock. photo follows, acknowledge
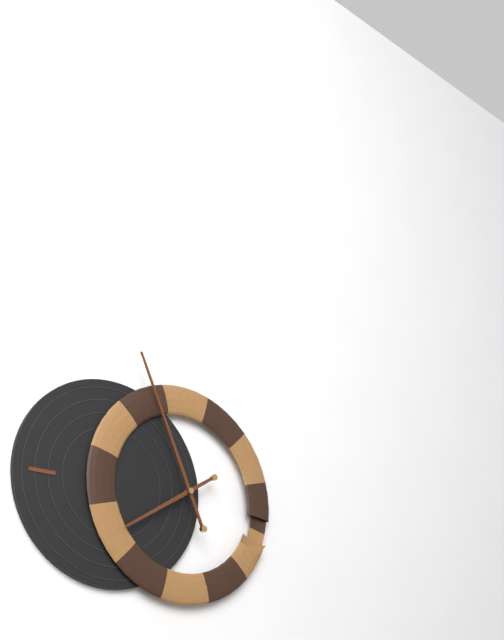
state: 7:56
